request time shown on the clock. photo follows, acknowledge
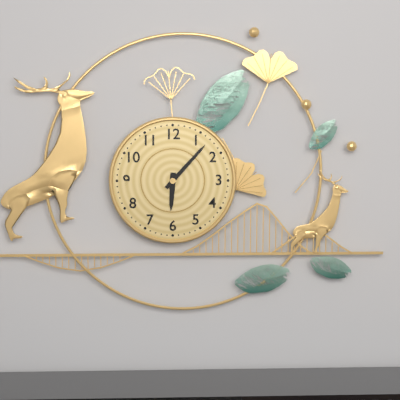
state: 6:07
